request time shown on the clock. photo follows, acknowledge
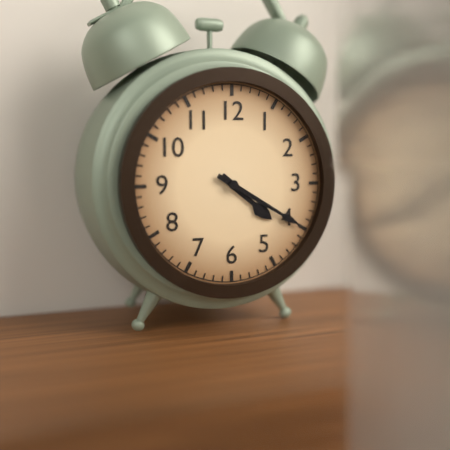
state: 4:20
